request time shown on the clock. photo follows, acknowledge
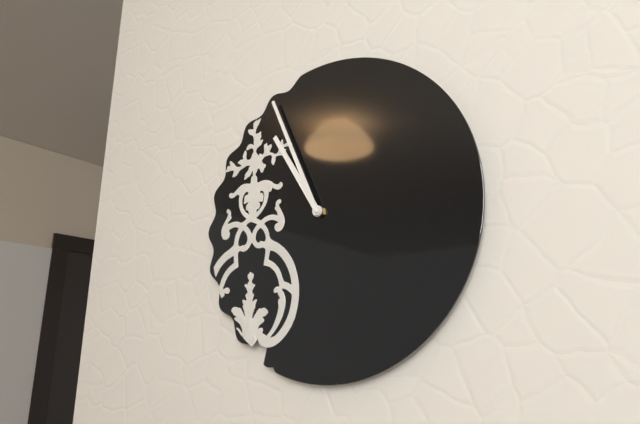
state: 10:56
